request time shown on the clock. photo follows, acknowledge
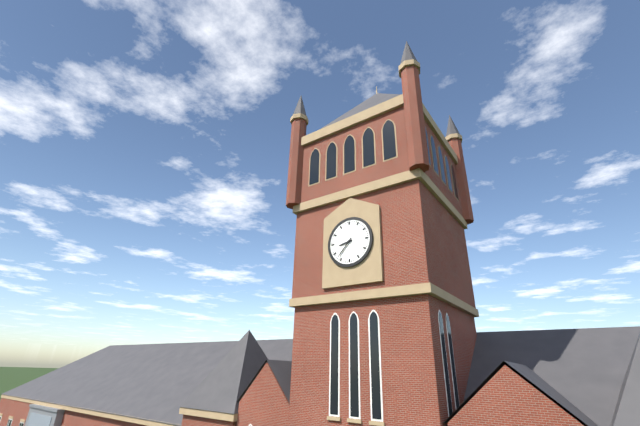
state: 8:37
